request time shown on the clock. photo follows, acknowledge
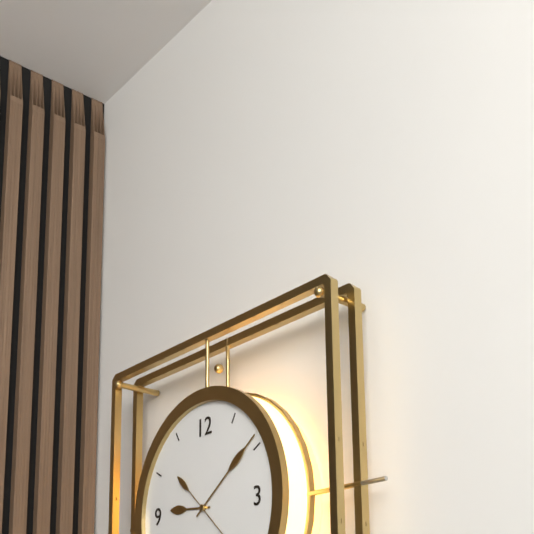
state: 9:09
